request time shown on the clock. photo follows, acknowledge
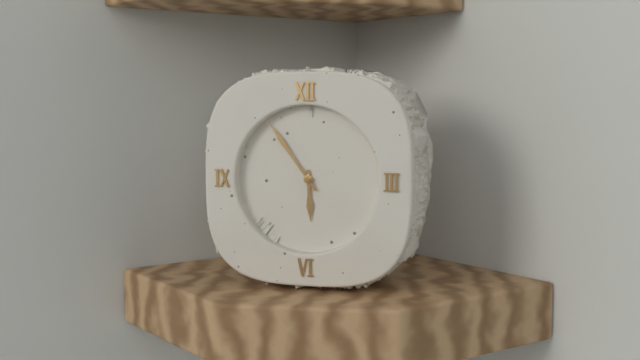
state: 5:54
